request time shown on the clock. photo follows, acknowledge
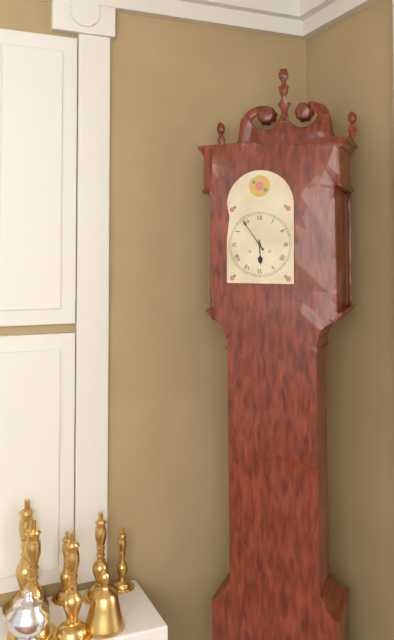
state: 5:54
